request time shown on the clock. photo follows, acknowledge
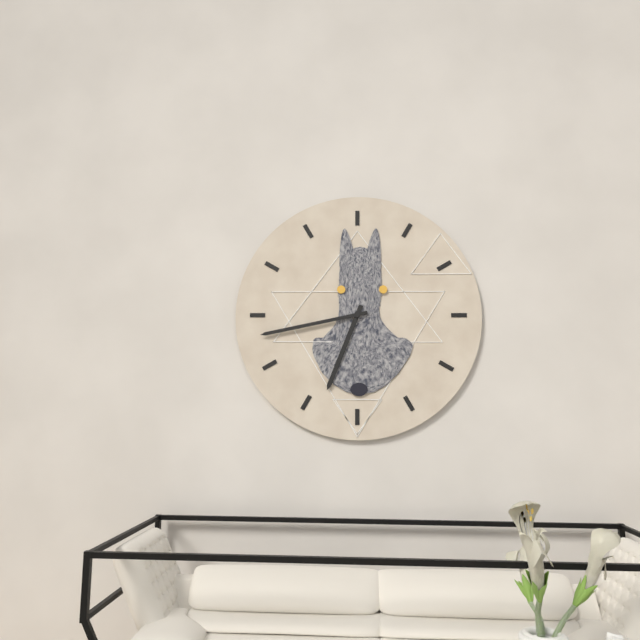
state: 6:43
